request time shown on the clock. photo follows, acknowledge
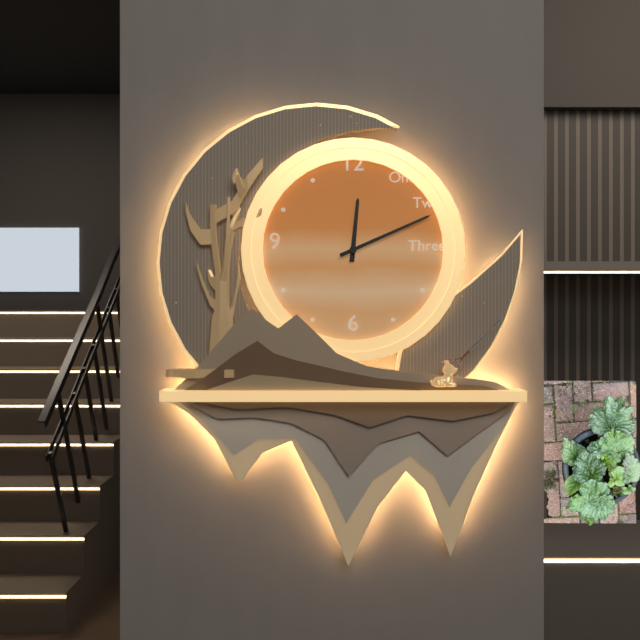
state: 12:11
